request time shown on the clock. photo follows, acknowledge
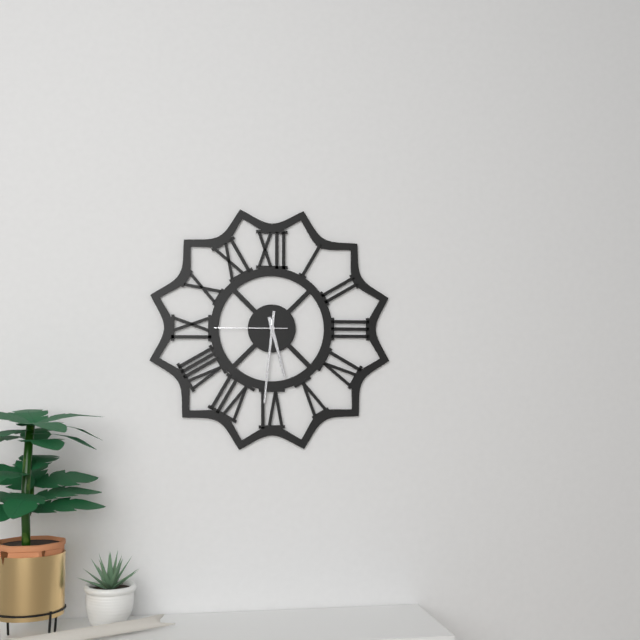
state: 5:31:45
